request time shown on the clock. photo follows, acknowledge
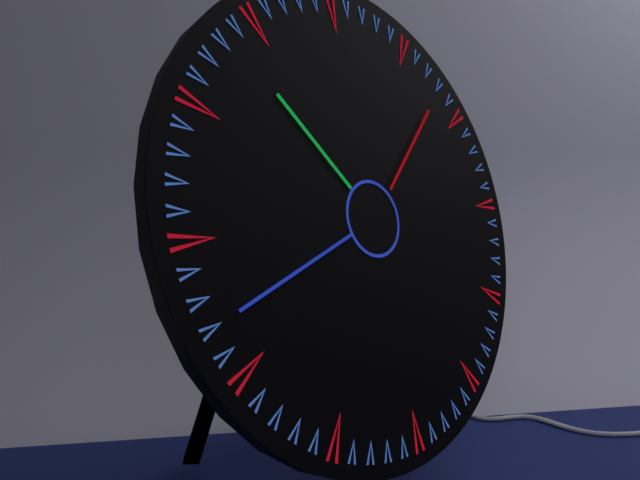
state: 10:42:08
